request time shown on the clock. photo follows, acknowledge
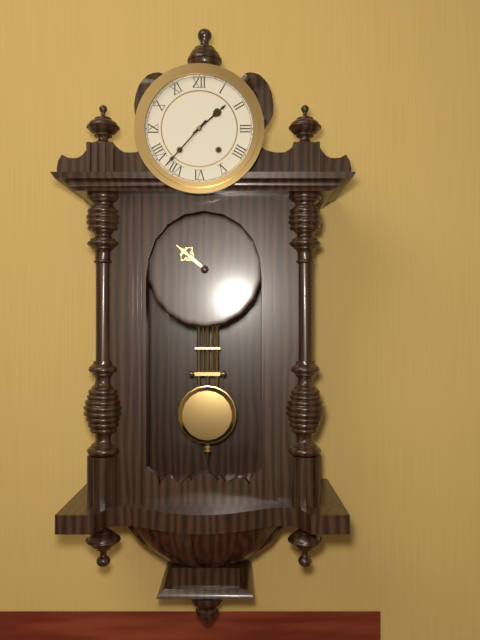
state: 1:37
